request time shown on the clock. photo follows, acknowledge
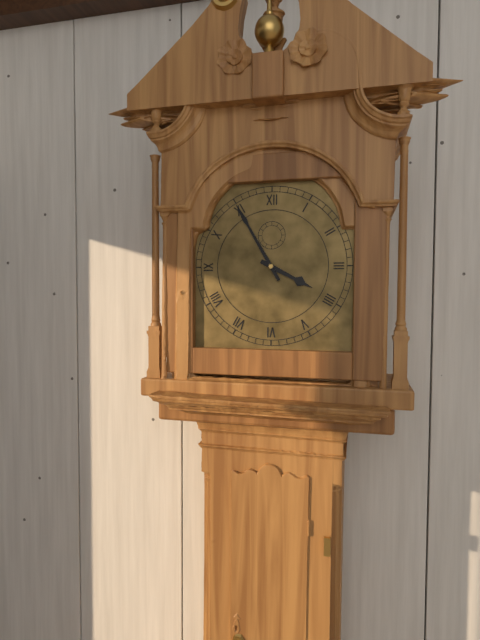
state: 3:55
